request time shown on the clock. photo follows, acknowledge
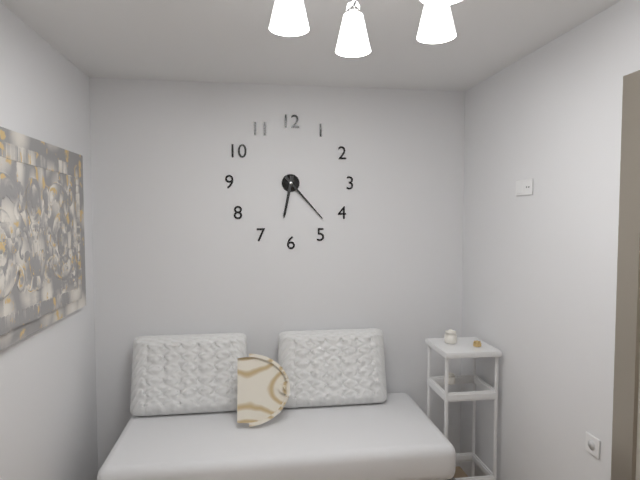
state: 6:23
